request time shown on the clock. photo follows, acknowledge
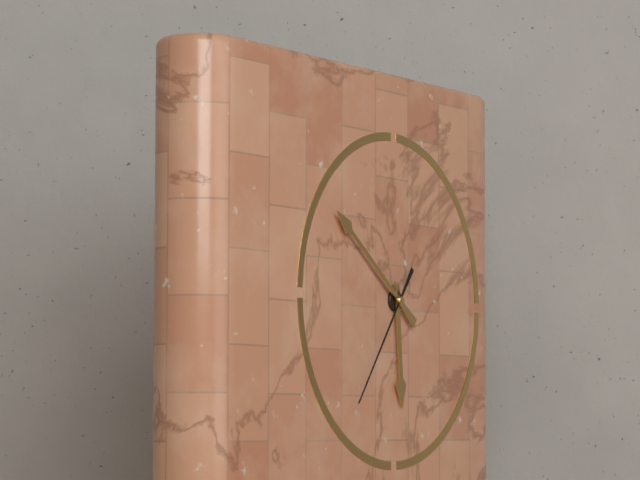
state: 5:51:36
